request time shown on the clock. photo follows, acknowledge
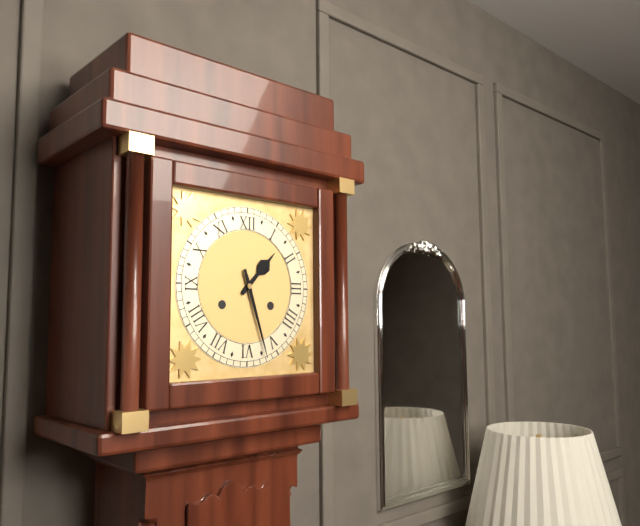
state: 1:27
